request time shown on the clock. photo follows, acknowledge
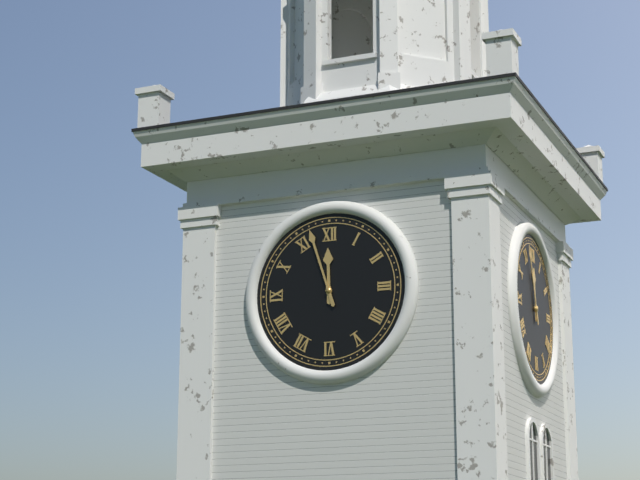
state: 11:57
